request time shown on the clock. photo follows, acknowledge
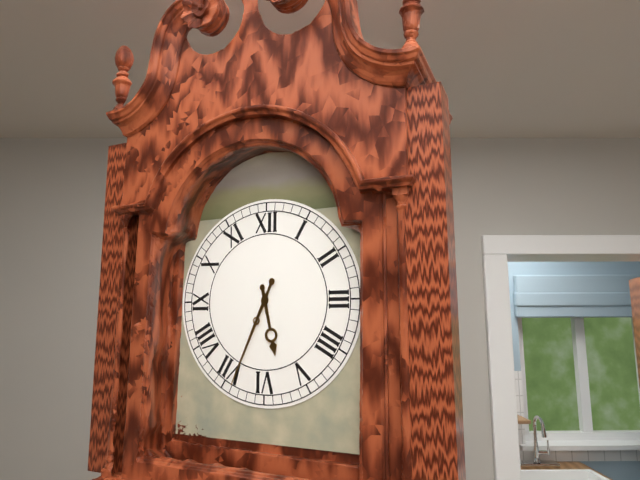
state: 5:34
